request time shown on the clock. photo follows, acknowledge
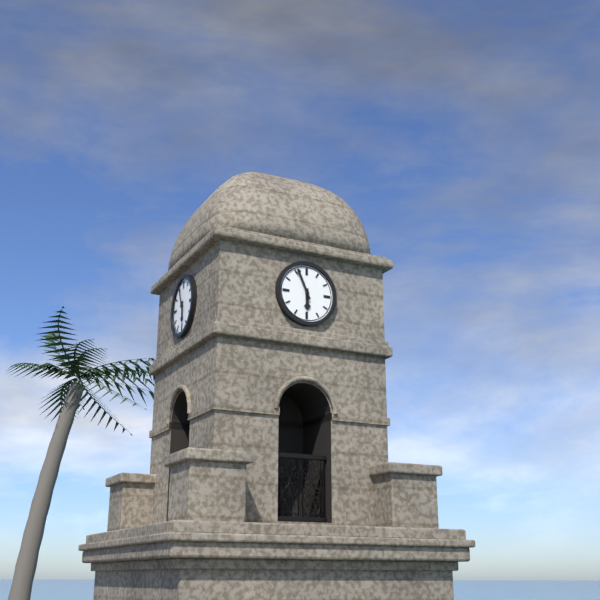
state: 5:56
